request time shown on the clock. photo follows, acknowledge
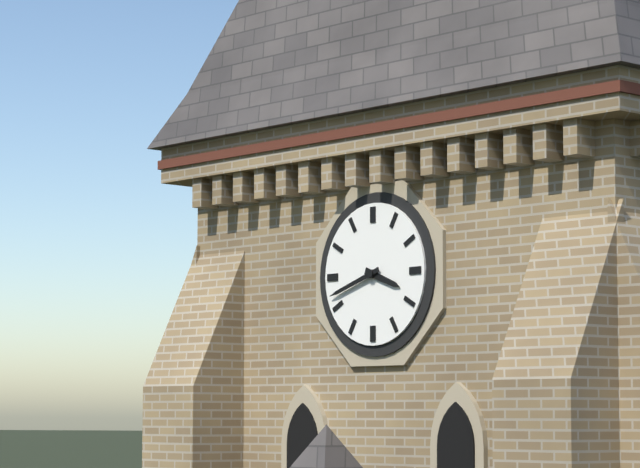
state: 3:42
